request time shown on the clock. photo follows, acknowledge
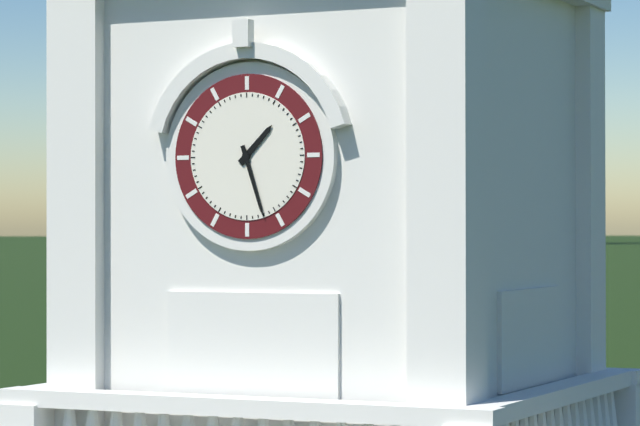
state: 1:27
